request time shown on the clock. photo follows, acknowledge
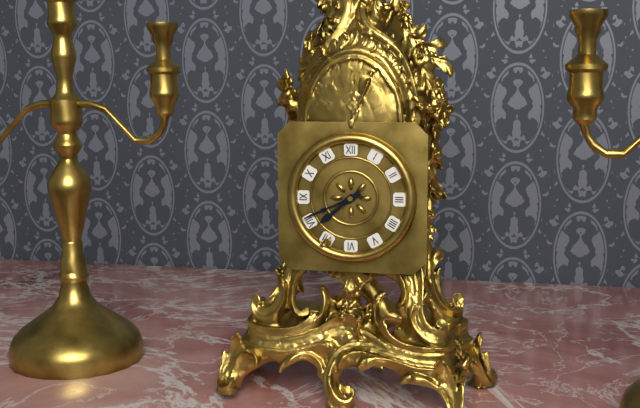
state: 7:41
